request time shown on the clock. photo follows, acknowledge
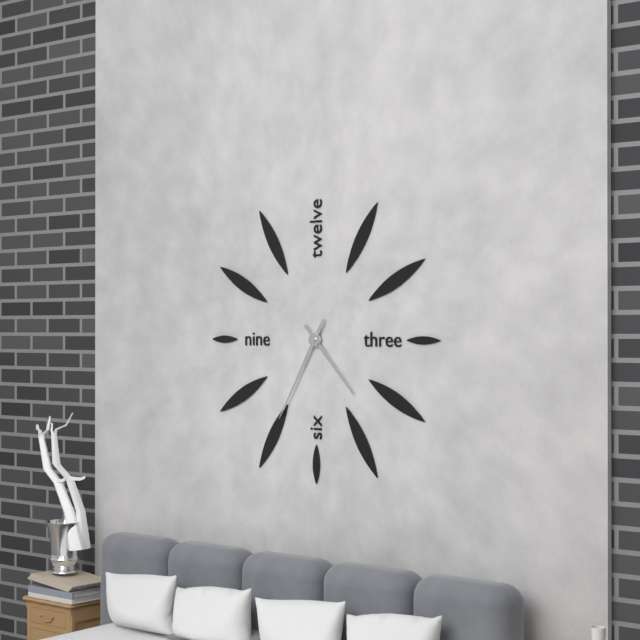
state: 4:35
